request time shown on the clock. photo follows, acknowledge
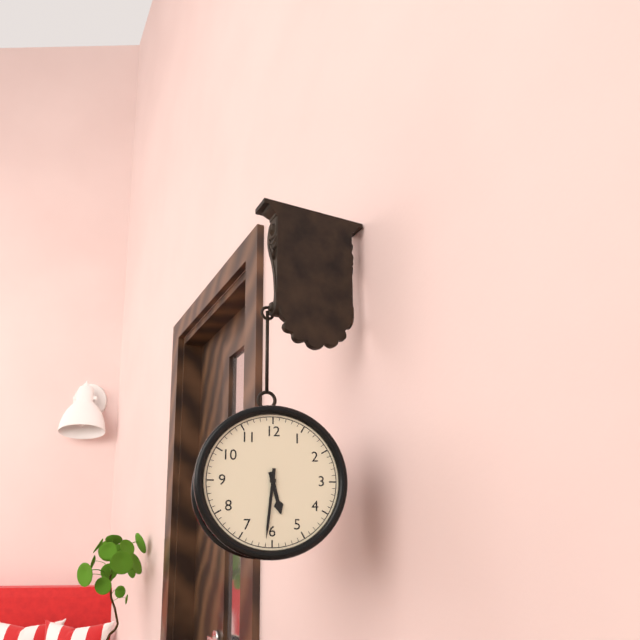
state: 5:31
